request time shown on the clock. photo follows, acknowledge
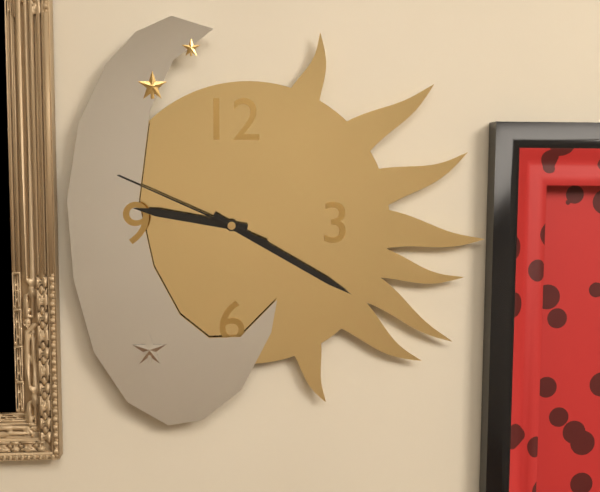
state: 9:20:49
